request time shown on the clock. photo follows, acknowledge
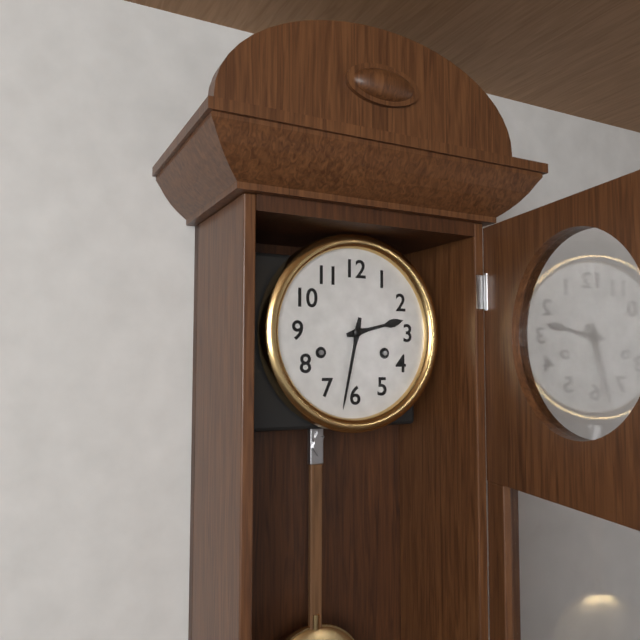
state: 2:32
